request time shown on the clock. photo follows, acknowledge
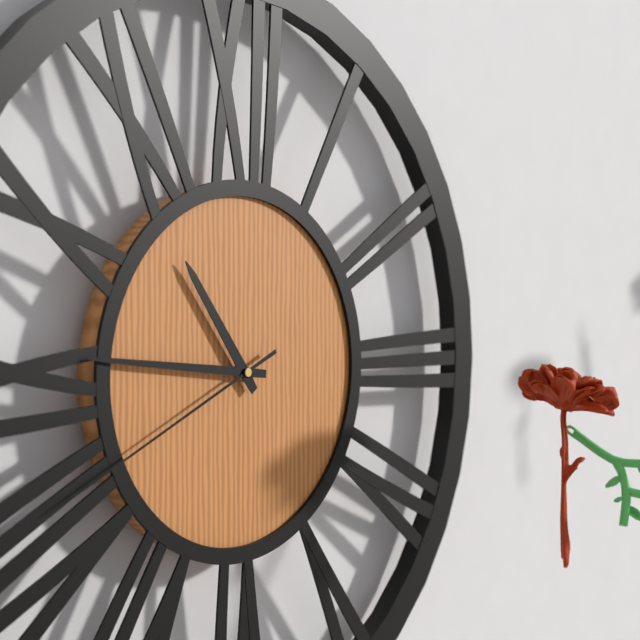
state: 10:46:41
